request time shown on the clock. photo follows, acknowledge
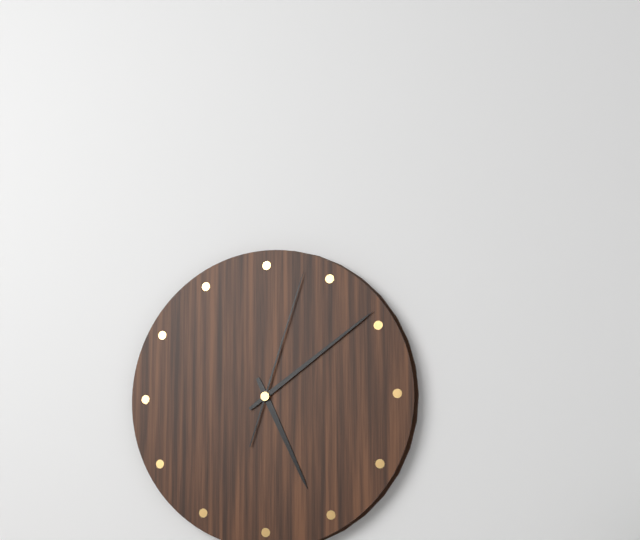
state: 5:09:03
